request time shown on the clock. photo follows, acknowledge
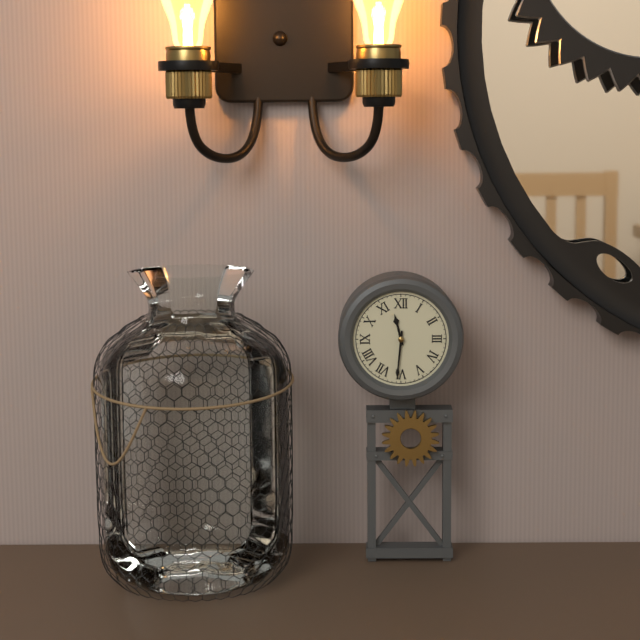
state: 11:31
